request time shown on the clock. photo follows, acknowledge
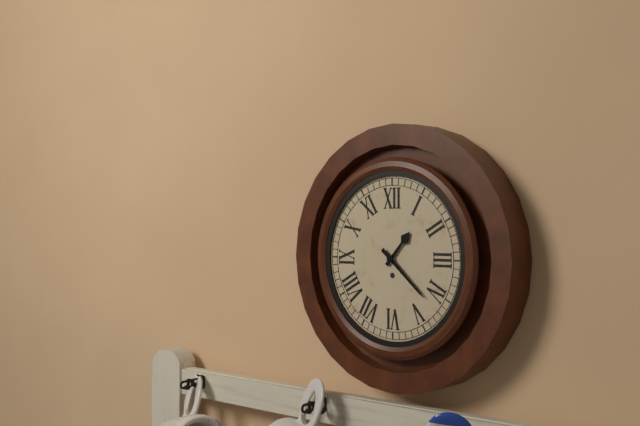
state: 1:22
